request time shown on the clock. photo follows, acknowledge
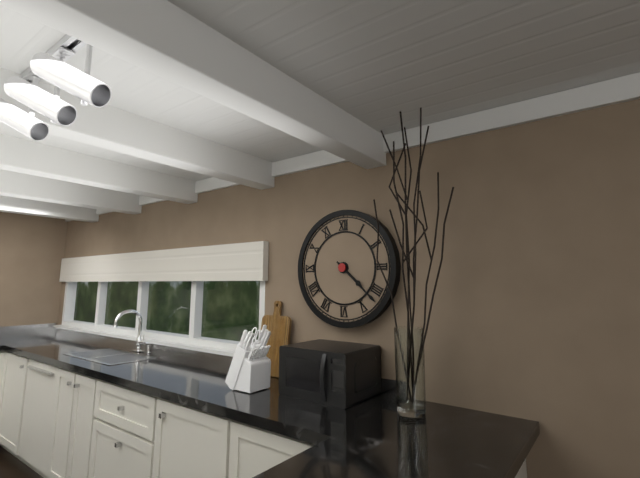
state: 4:22
